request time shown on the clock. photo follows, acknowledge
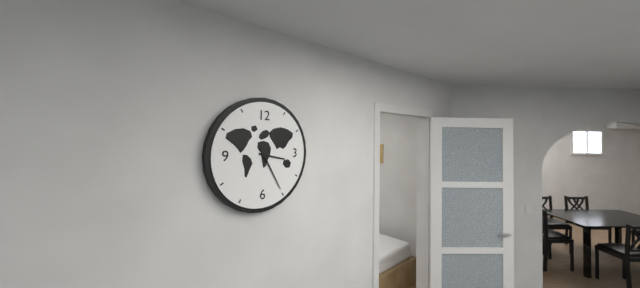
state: 3:25
